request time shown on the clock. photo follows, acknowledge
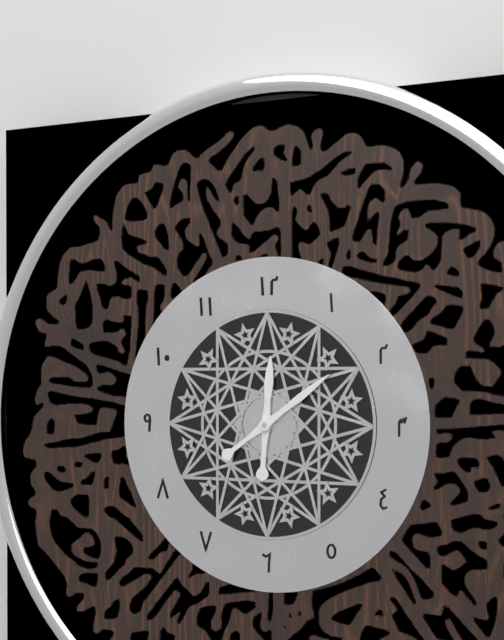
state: 12:09
